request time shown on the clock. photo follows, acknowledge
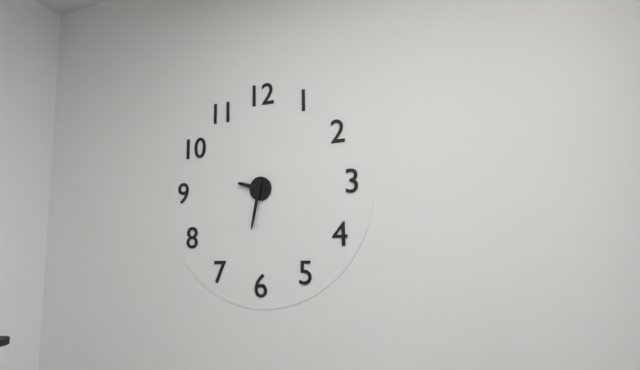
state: 9:32
